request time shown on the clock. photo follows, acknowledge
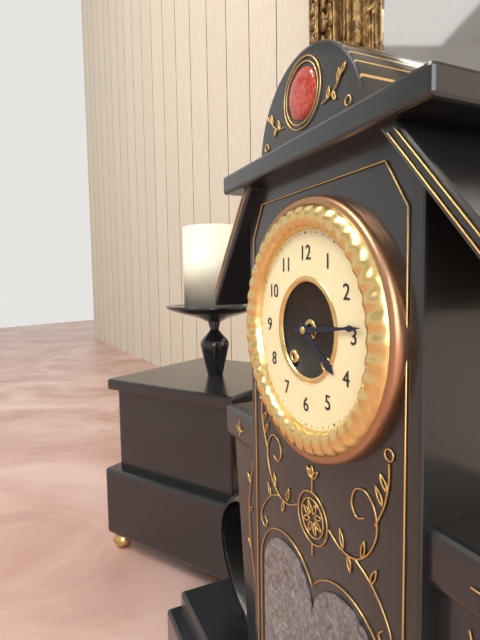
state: 4:14
